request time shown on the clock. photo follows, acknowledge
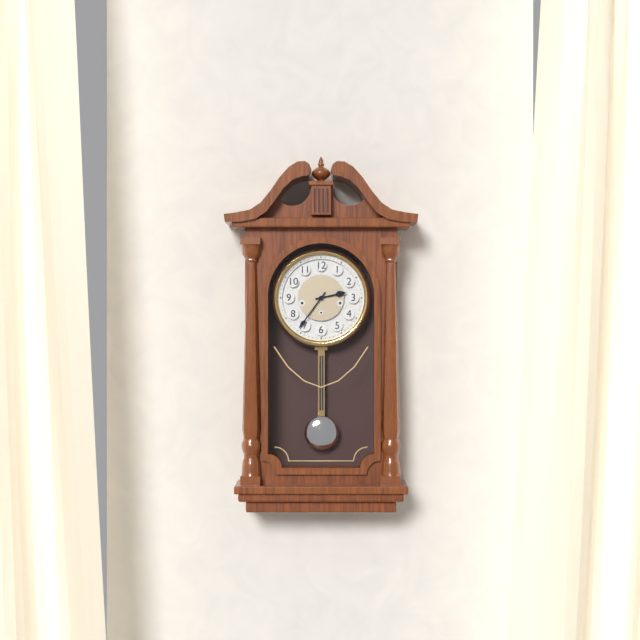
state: 2:36
